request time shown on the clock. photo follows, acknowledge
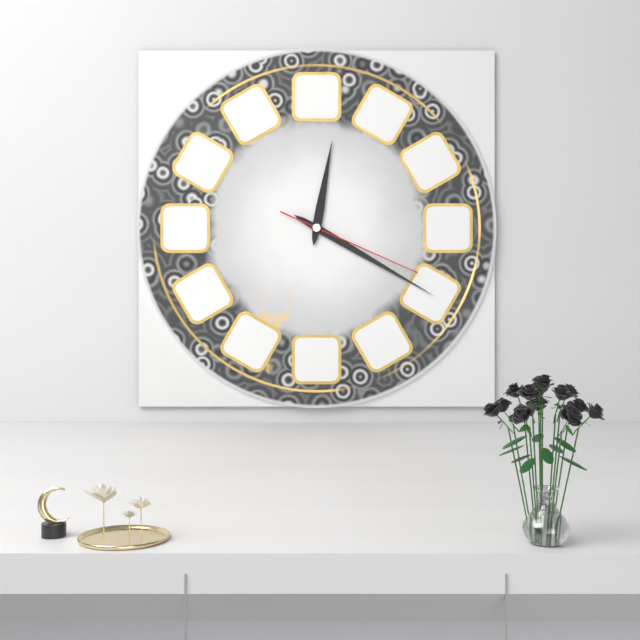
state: 12:20:19
